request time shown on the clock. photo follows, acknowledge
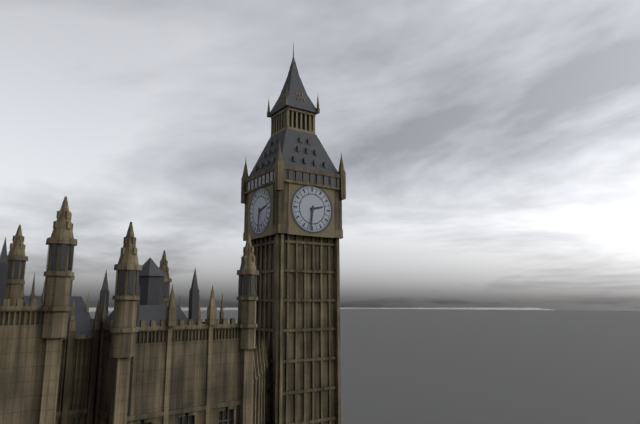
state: 2:31
